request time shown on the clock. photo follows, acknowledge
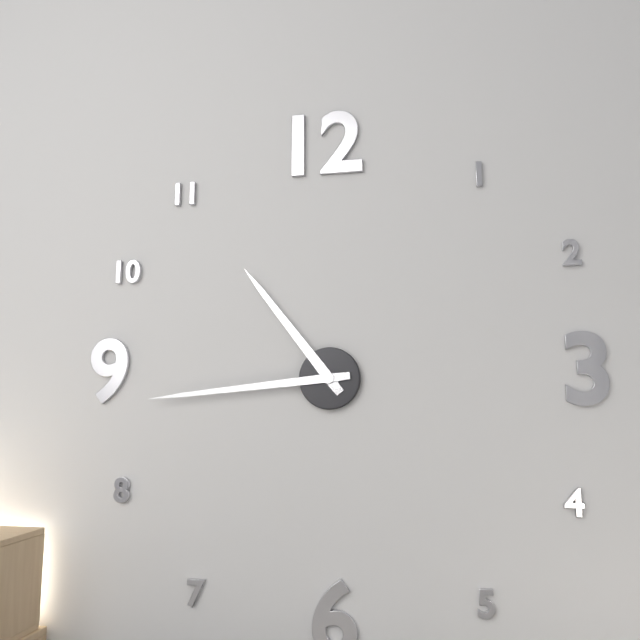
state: 10:44
